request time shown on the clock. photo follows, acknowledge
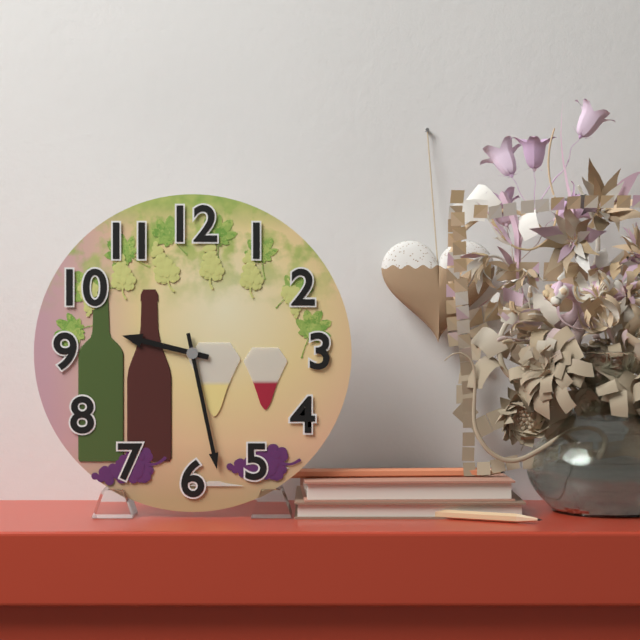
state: 9:28
